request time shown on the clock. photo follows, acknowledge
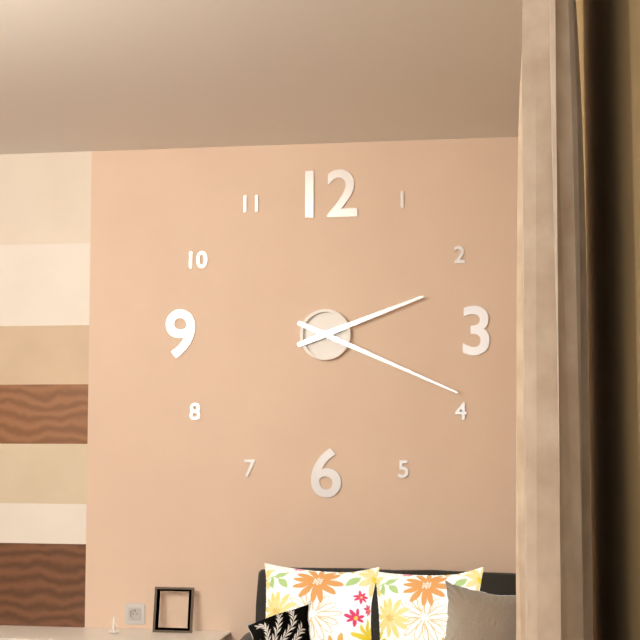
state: 2:19
